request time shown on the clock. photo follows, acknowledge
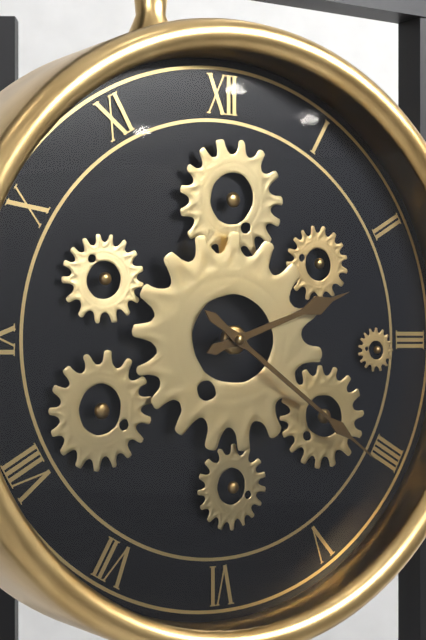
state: 2:21
